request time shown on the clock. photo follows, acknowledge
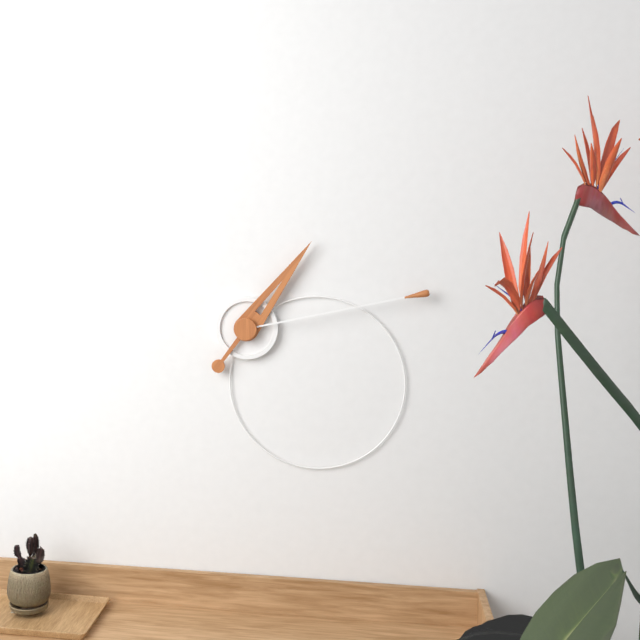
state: 1:13
